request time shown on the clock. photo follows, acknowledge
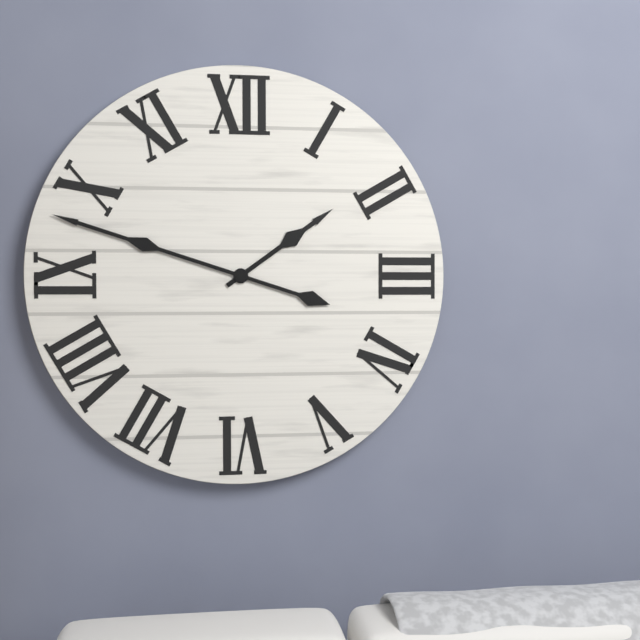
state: 1:48
